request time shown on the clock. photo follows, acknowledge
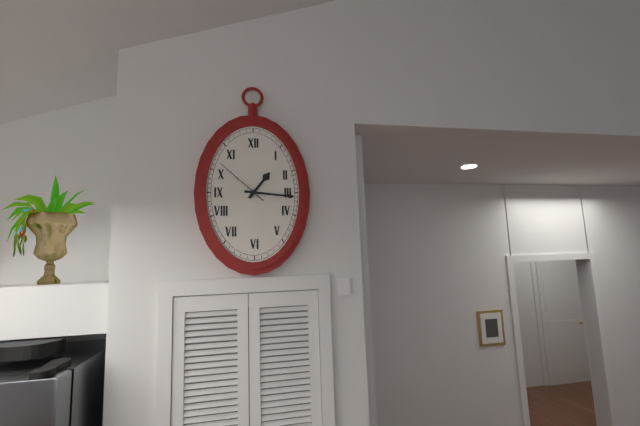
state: 1:16:52
